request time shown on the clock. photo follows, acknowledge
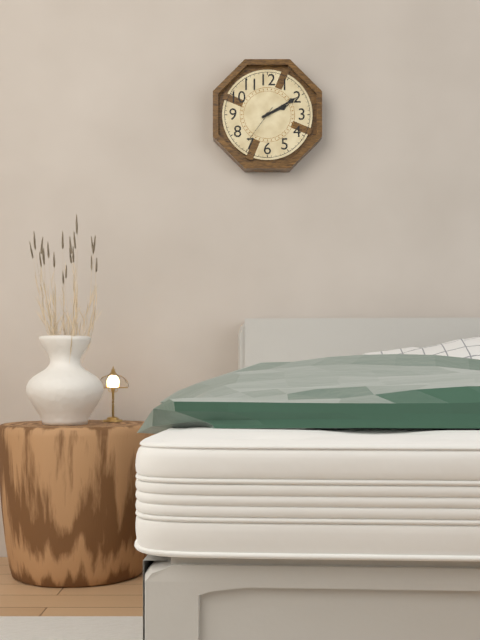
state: 2:10
